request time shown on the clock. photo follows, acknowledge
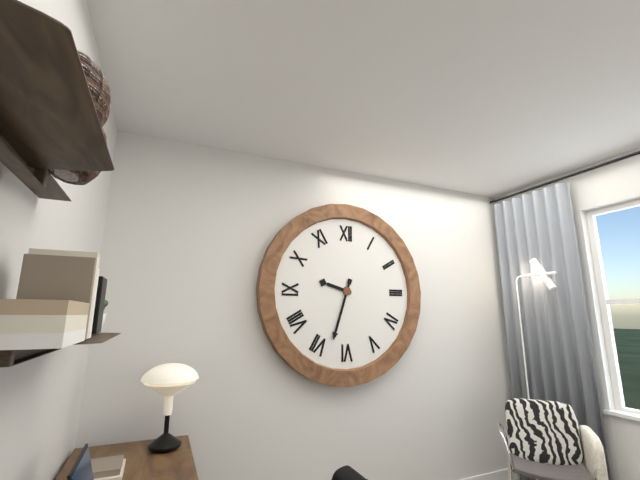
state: 9:33
